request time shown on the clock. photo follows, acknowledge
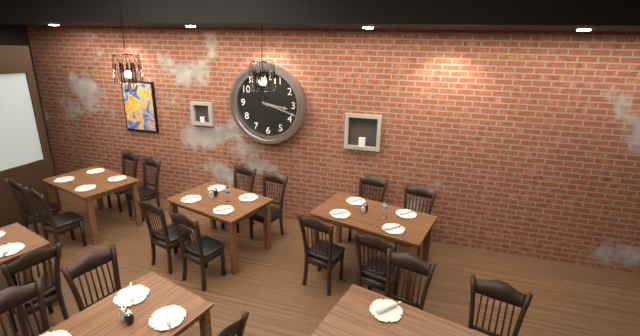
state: 3:18
